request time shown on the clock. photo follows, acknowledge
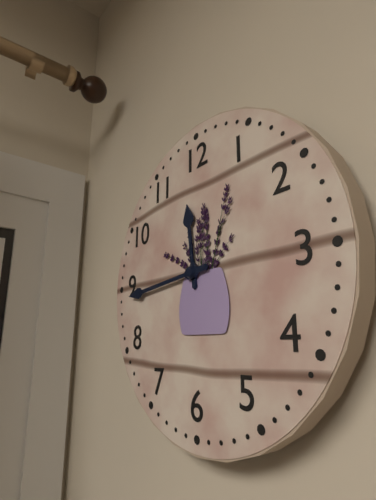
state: 11:44
